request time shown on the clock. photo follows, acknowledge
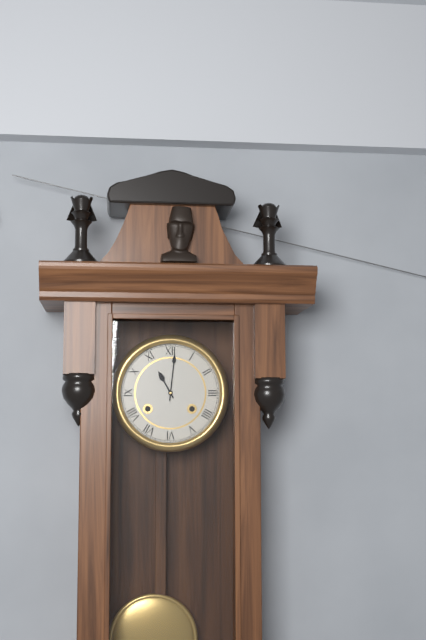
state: 11:01
